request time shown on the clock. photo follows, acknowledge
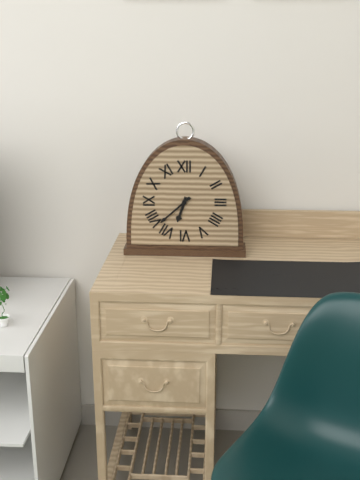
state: 6:38
